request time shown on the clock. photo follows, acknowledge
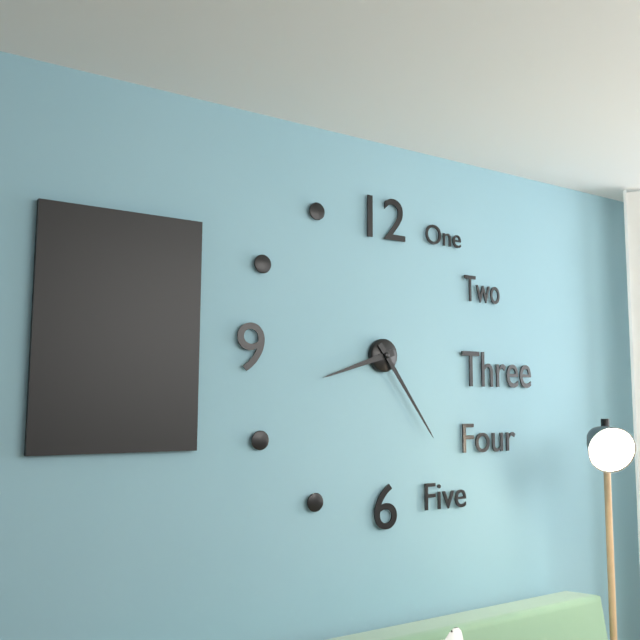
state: 8:24
